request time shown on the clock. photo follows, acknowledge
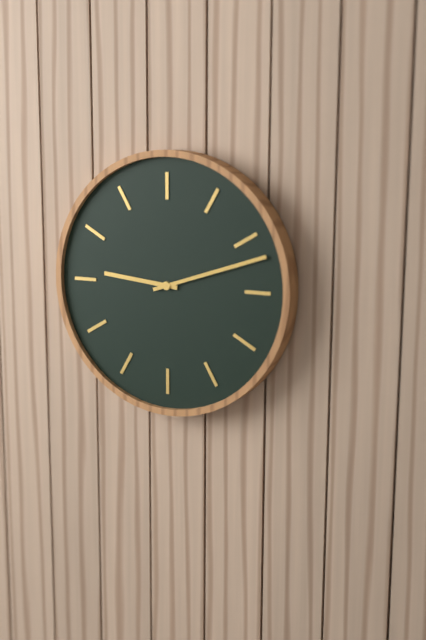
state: 9:12
